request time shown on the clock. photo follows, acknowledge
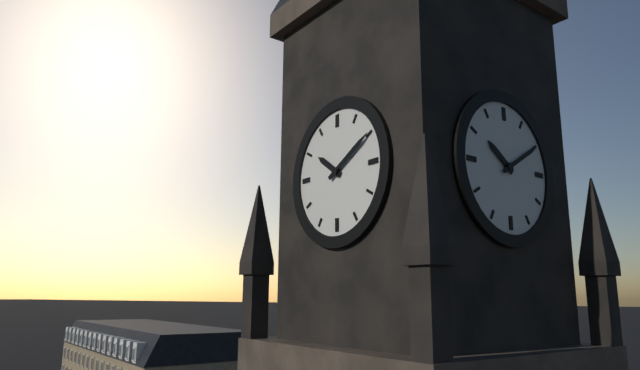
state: 10:10
